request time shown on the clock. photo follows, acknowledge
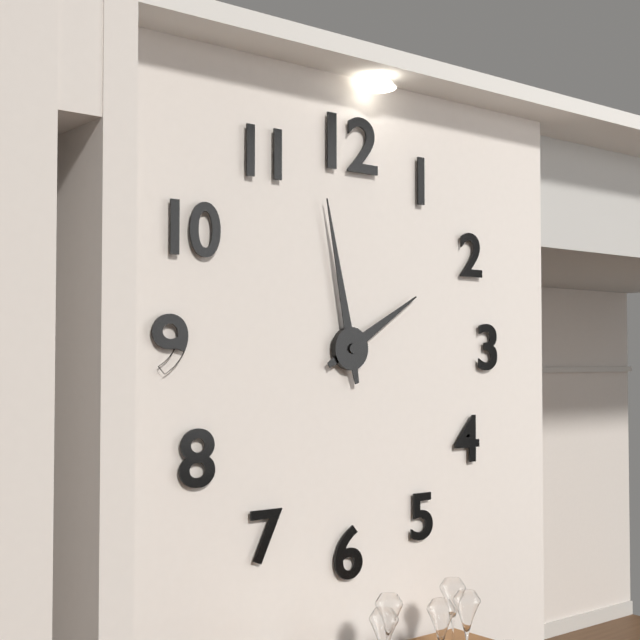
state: 1:58
